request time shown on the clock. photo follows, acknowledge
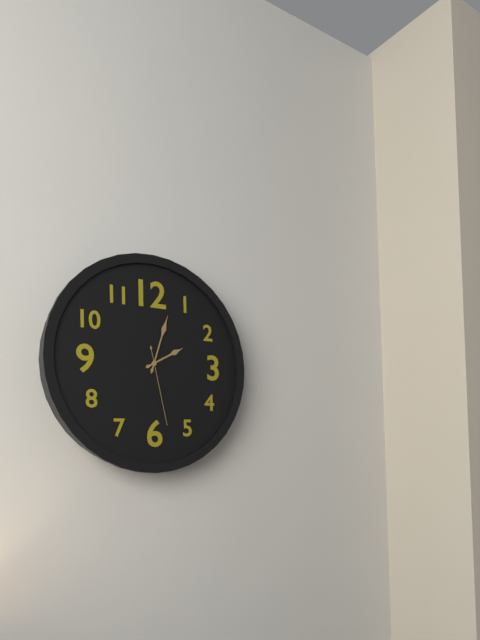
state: 2:03:28
